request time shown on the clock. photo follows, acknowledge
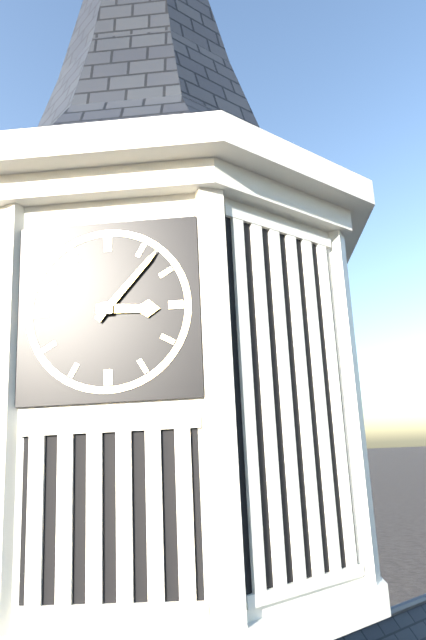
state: 3:07
